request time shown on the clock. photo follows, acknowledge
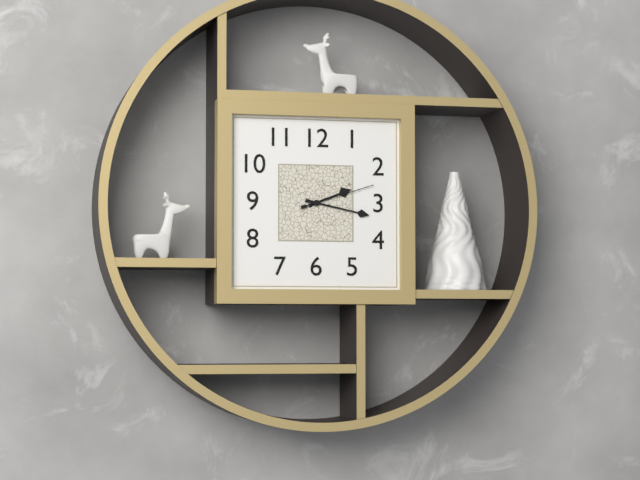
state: 2:17:12
